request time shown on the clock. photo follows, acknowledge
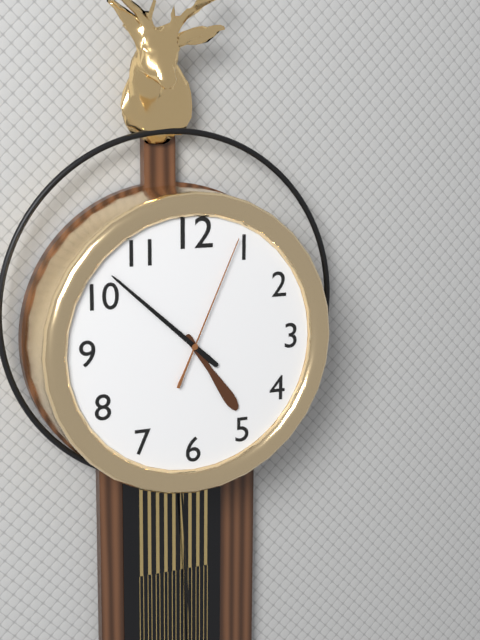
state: 4:52:04
